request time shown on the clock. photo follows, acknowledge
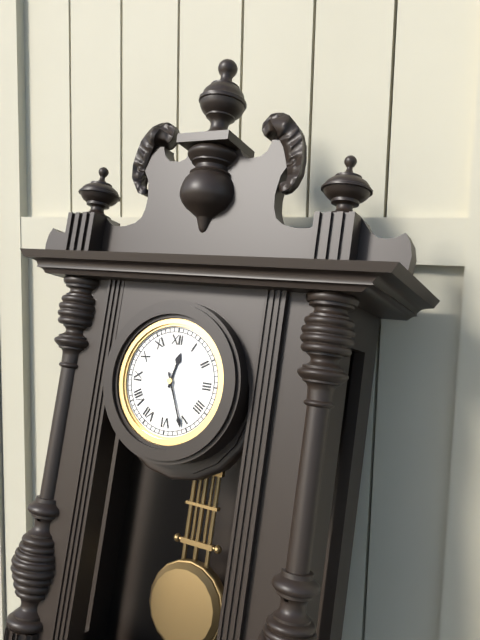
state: 12:26
